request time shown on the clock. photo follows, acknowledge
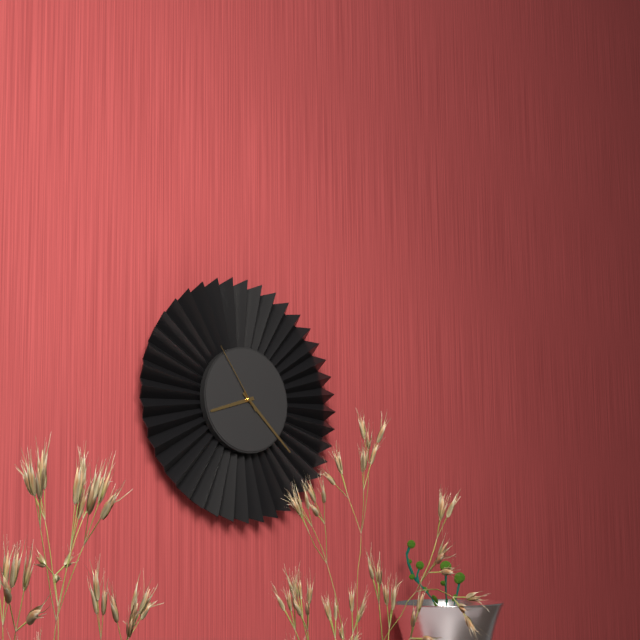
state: 8:22:54
